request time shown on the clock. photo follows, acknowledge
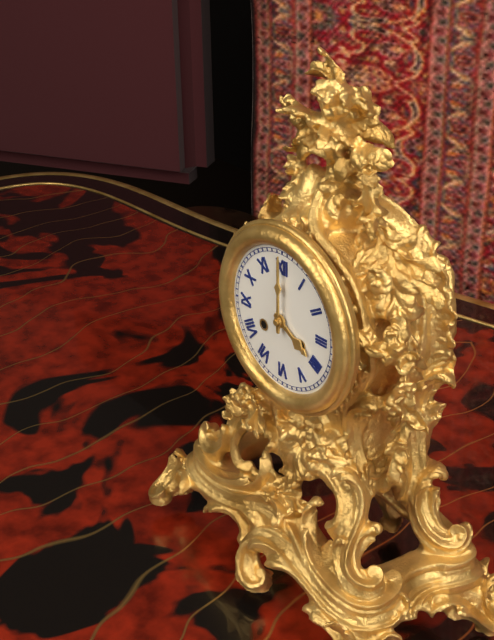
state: 4:00
